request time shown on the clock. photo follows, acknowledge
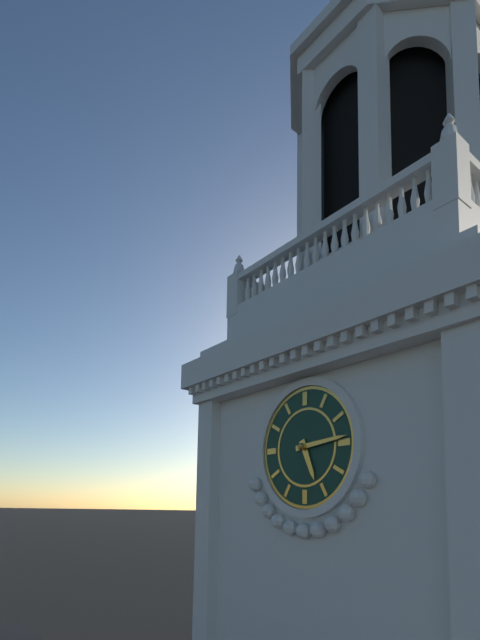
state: 5:14
